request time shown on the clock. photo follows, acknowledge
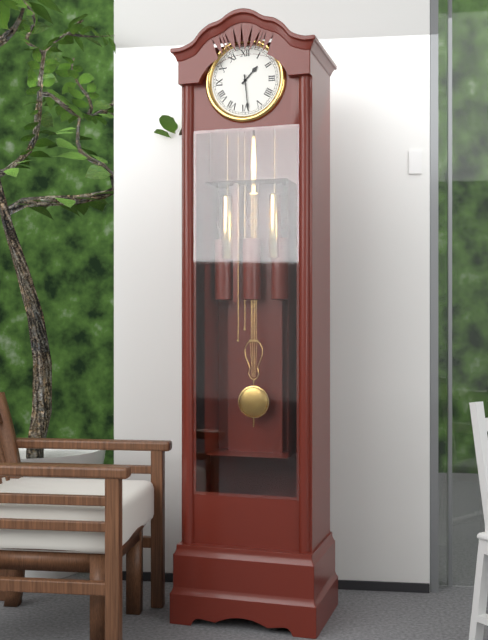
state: 1:29
